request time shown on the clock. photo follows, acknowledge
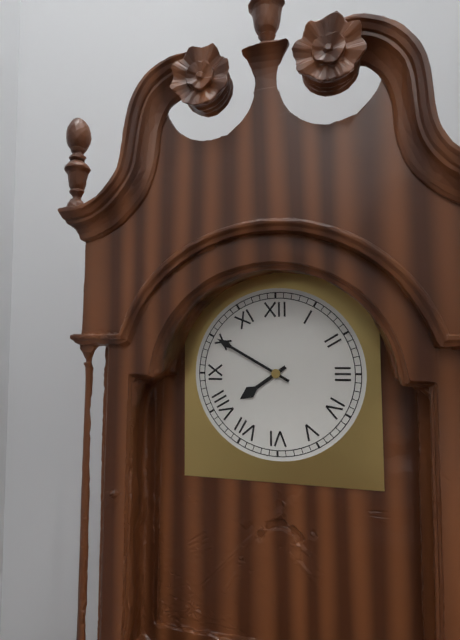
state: 7:50
